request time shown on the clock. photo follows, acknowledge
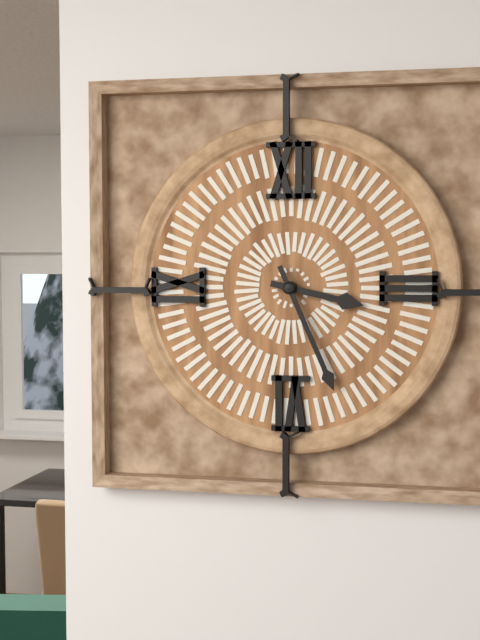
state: 3:26
